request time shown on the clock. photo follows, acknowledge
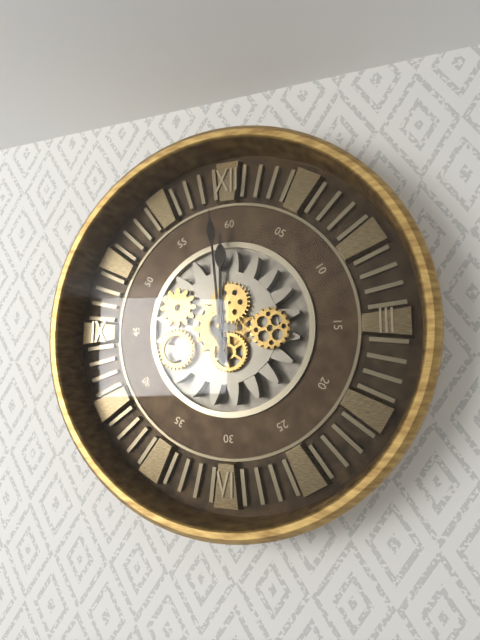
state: 11:59
